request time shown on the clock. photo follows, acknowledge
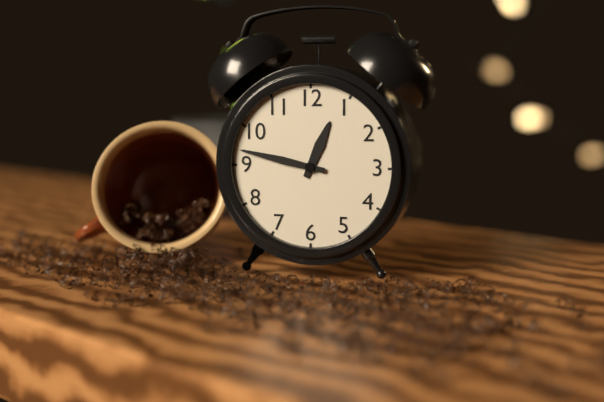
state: 12:47
